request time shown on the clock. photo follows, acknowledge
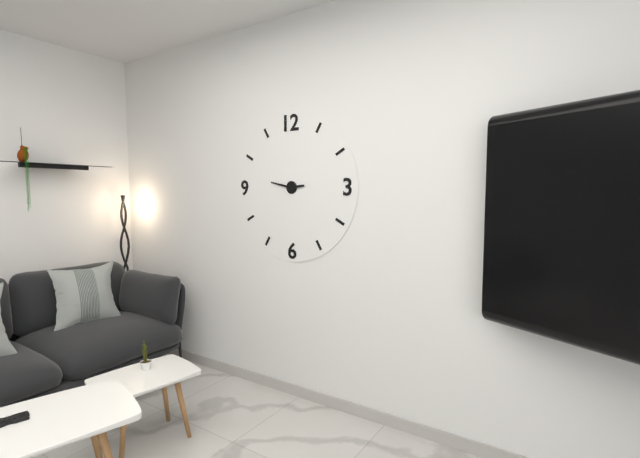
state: 2:47
